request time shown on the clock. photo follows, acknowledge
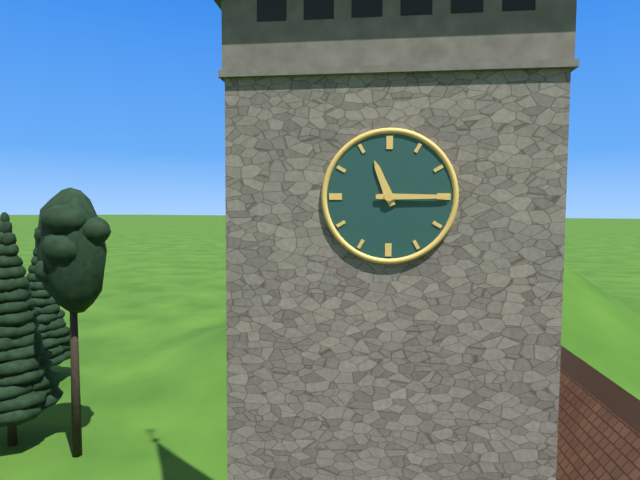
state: 11:15
